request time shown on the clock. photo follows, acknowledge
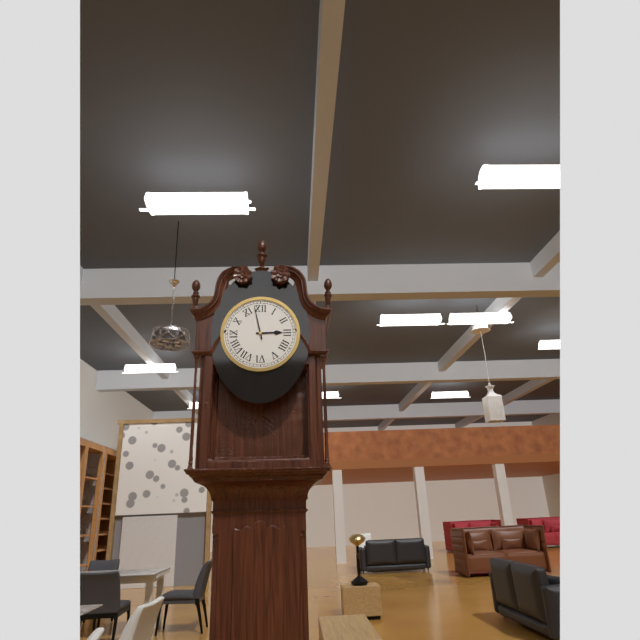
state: 2:58
